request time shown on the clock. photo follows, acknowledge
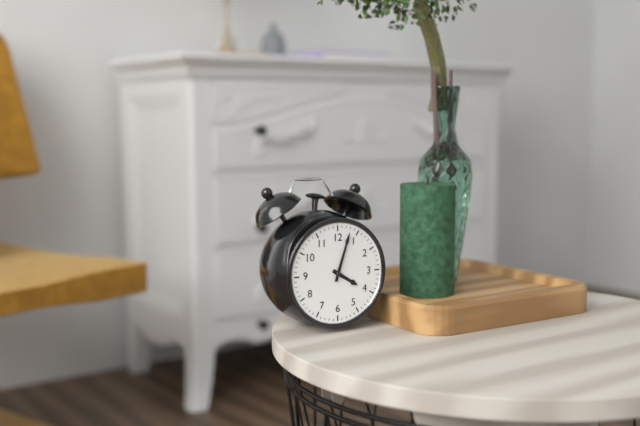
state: 4:03
